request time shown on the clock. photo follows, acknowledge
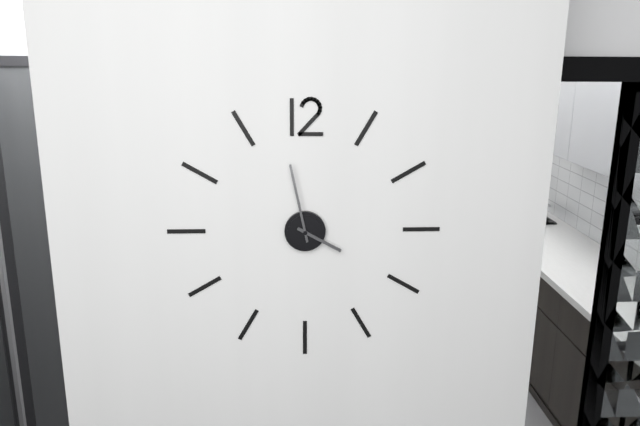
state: 3:58
